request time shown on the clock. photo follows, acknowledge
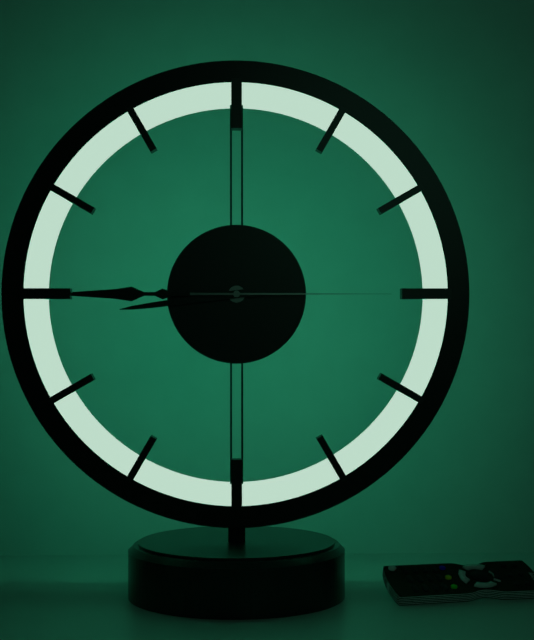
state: 8:45:15
